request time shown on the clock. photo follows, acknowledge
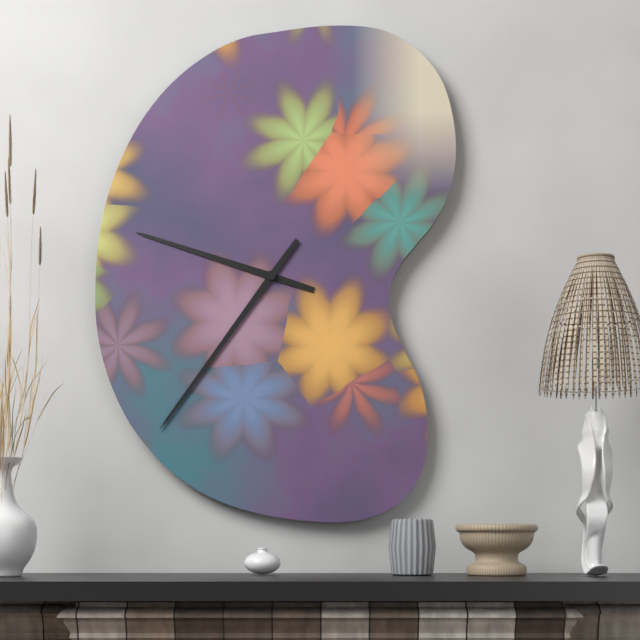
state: 9:36
